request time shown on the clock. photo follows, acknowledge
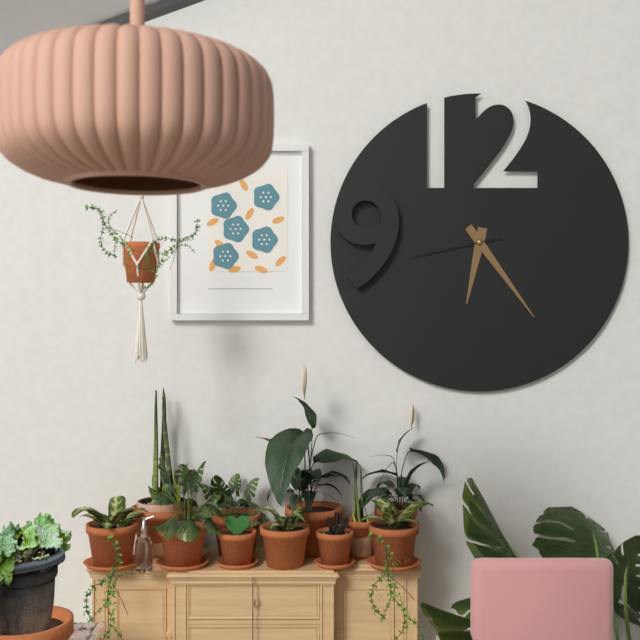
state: 6:24:43
